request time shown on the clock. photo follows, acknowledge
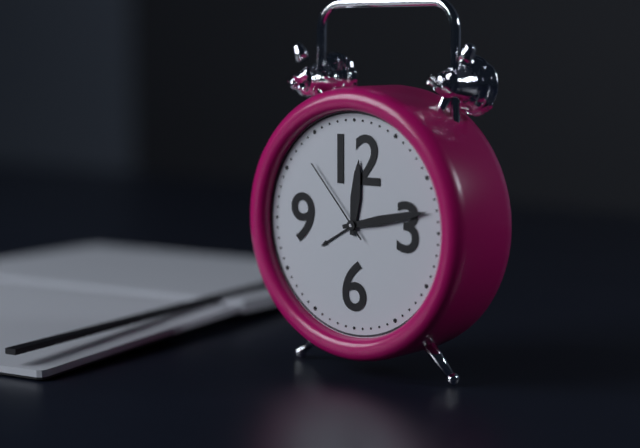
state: 12:13:53
